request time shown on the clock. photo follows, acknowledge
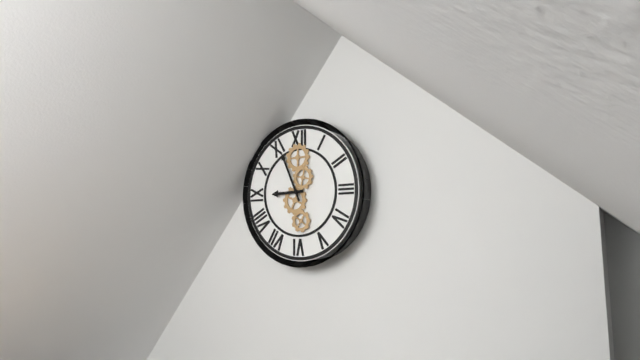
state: 8:56
